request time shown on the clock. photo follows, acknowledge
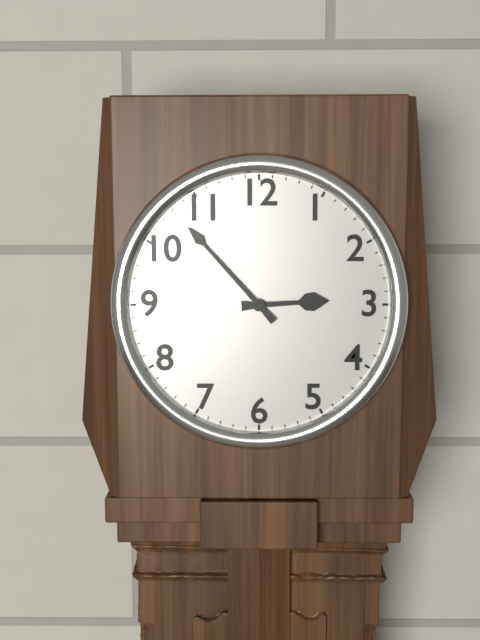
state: 2:53
